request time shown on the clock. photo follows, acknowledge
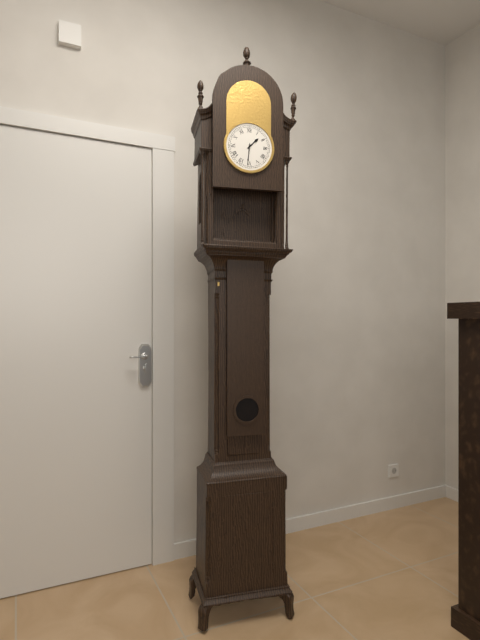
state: 1:31
